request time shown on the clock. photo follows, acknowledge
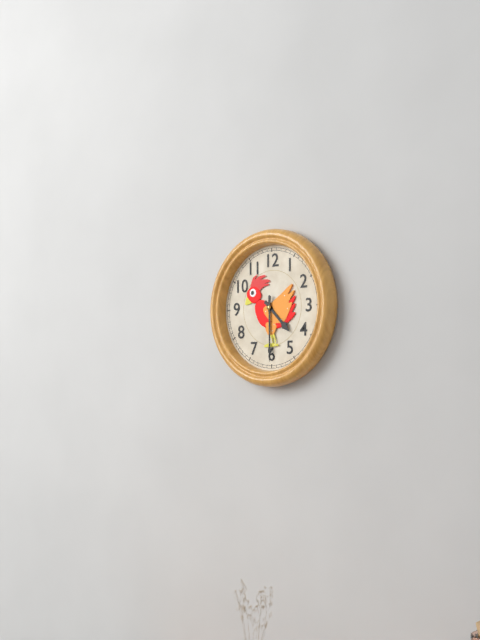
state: 4:30
